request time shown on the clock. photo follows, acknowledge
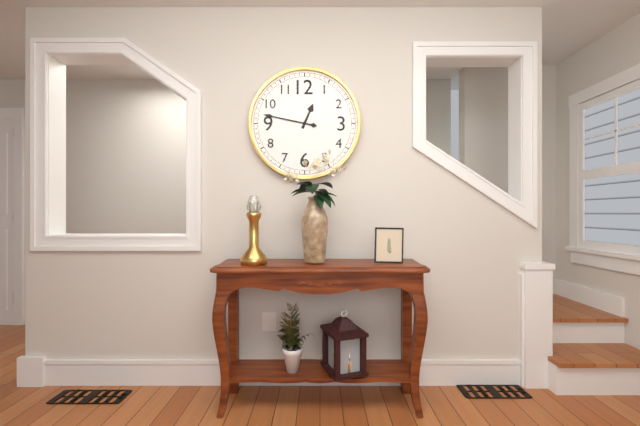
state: 12:47
